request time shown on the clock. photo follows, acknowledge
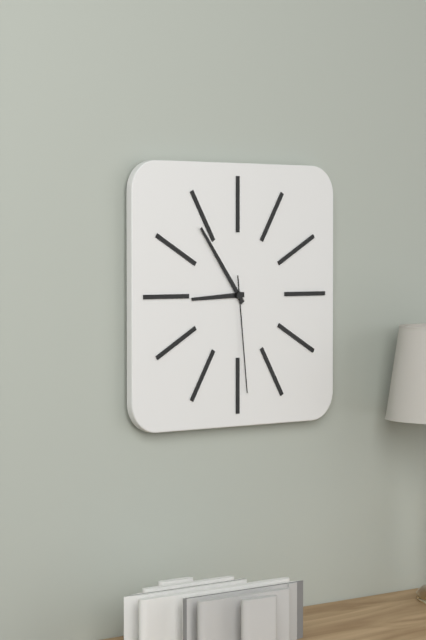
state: 8:54:29
